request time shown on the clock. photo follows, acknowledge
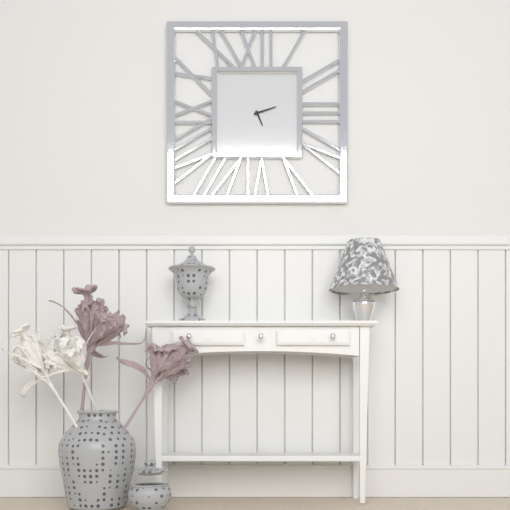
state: 5:12
